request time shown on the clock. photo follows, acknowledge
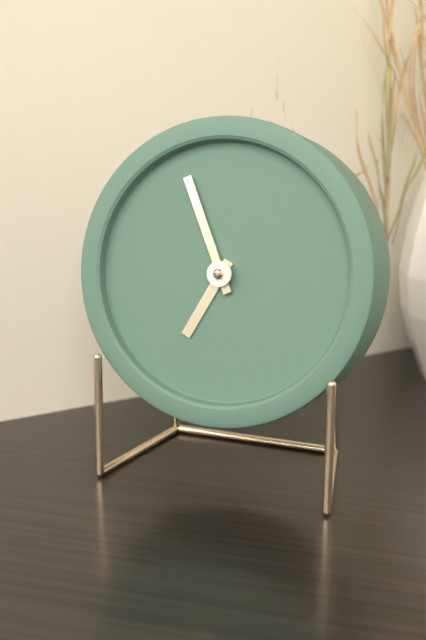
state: 6:56
